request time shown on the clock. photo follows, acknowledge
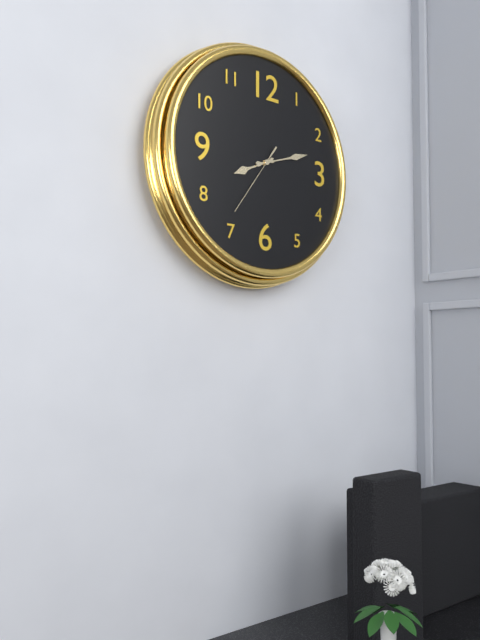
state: 8:12:36
